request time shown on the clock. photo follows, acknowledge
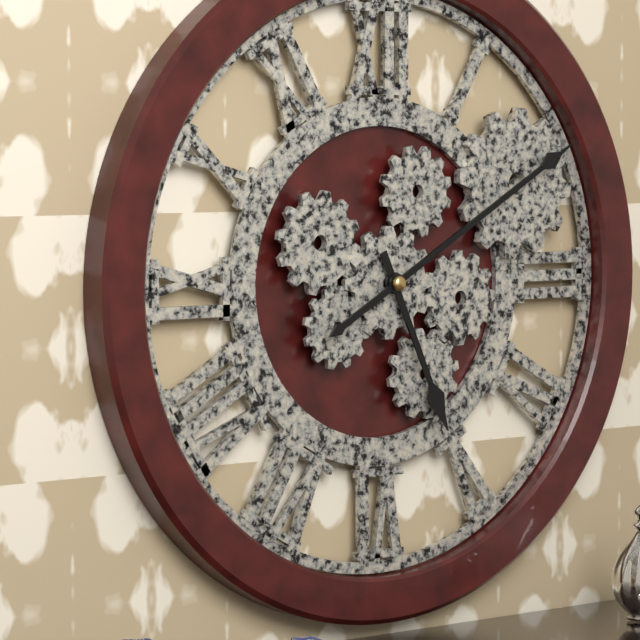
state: 5:10
